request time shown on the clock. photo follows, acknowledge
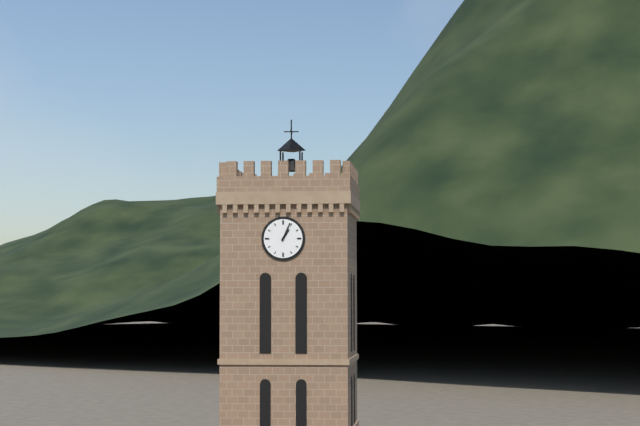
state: 1:04
